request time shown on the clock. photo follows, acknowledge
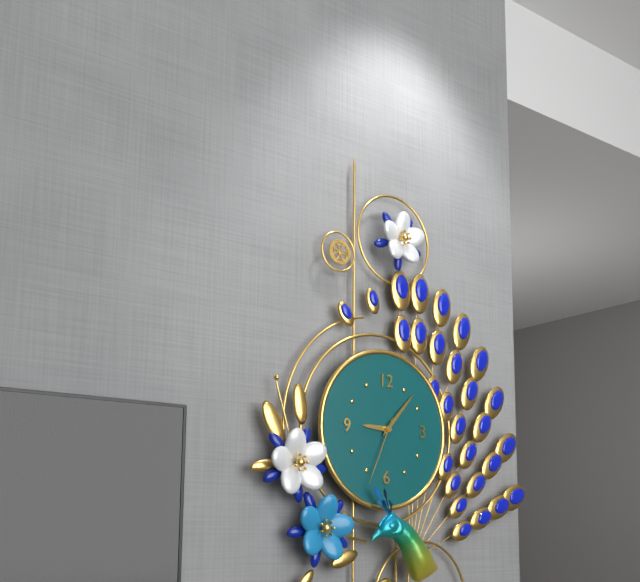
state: 9:07:34
